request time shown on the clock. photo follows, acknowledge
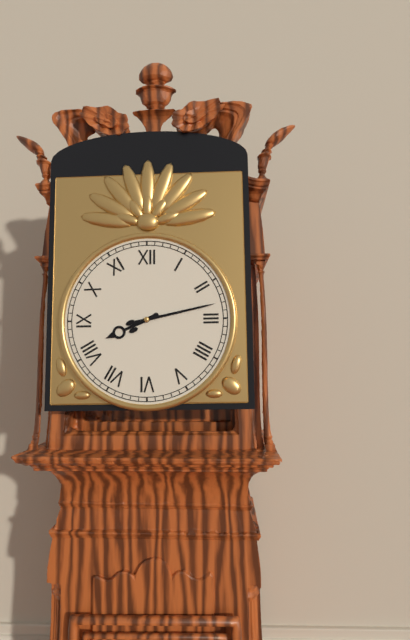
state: 8:13
